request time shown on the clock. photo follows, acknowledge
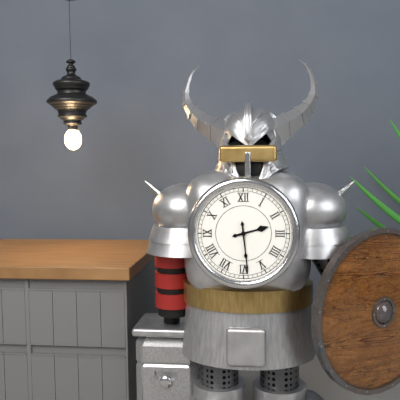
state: 2:29
